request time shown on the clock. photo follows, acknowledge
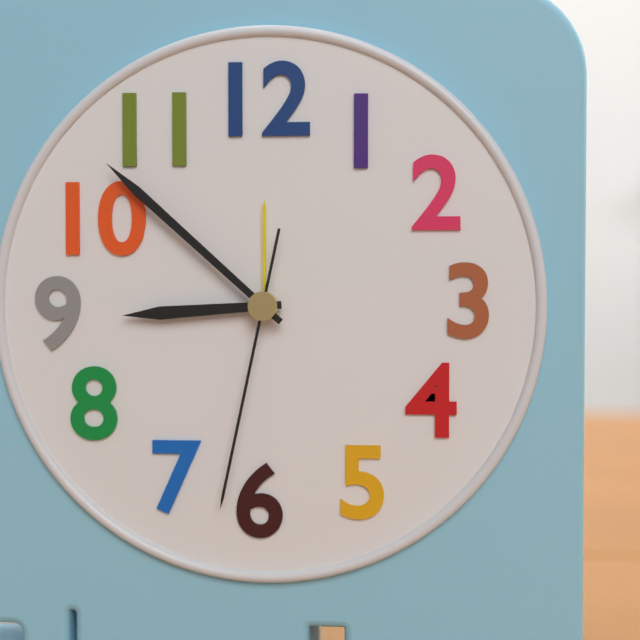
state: 8:52:32
